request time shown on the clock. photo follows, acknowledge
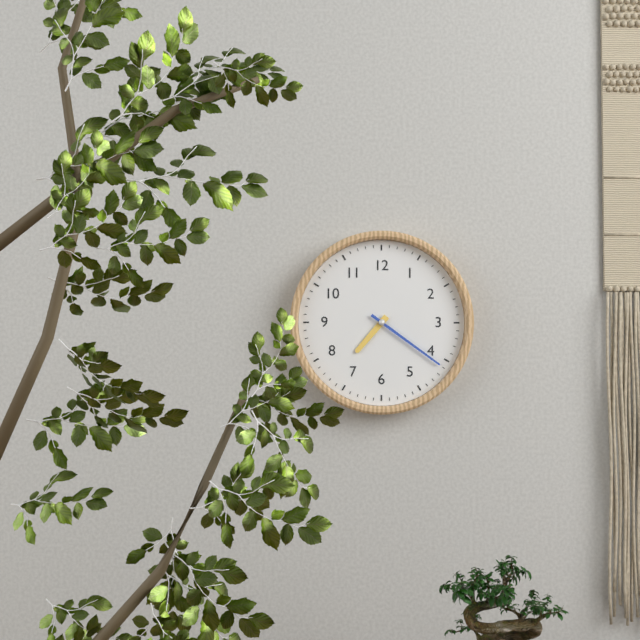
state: 7:21
